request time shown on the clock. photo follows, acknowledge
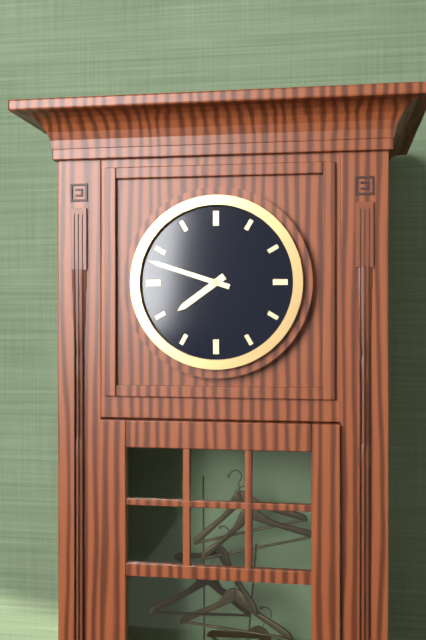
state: 7:48
